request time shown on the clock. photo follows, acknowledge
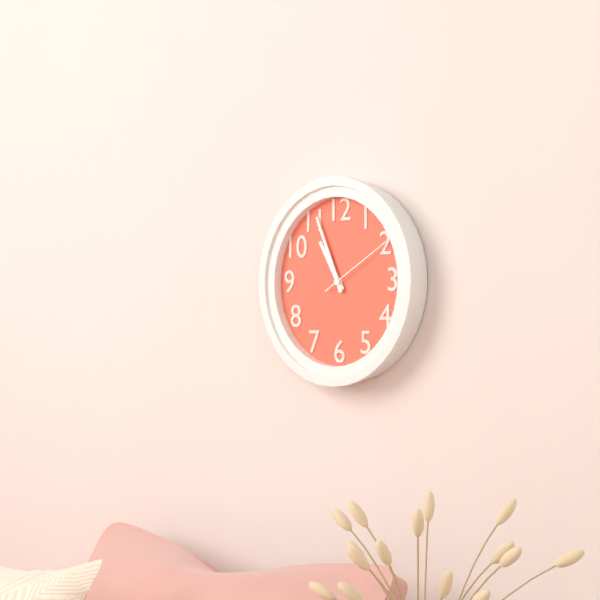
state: 10:56:10
